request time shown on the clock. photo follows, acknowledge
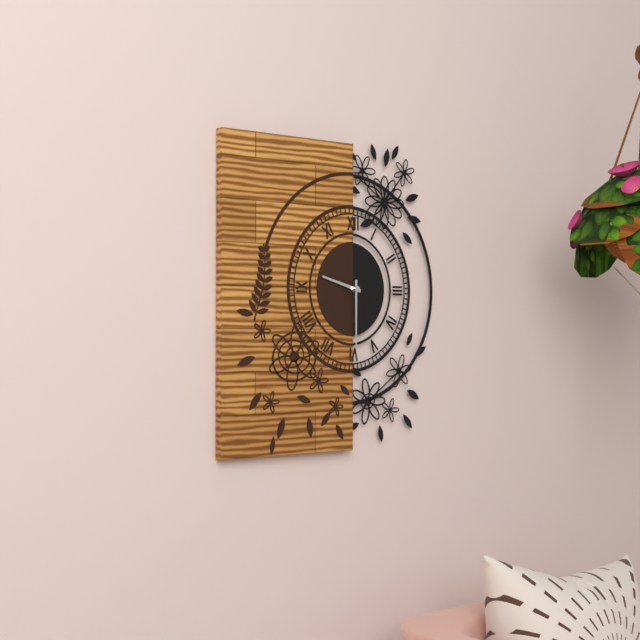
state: 9:30
